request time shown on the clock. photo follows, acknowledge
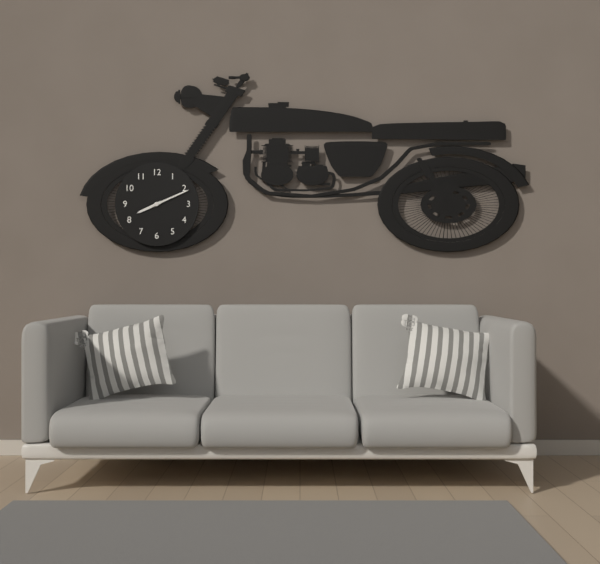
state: 8:11
